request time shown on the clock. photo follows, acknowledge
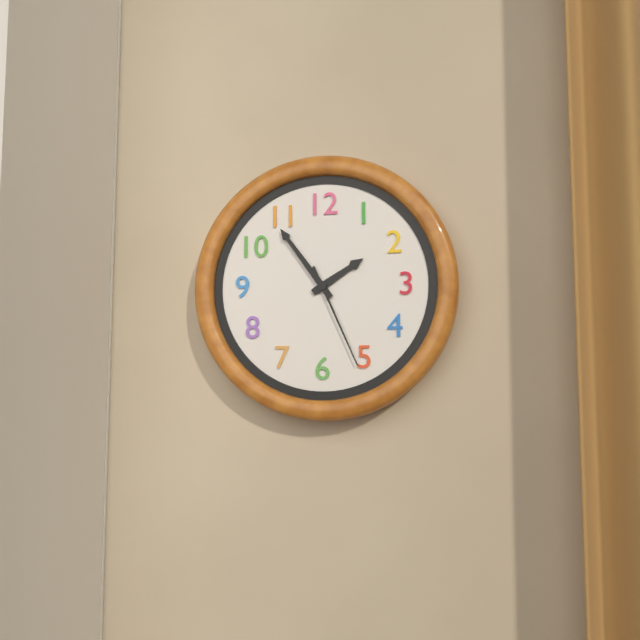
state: 1:54:26
